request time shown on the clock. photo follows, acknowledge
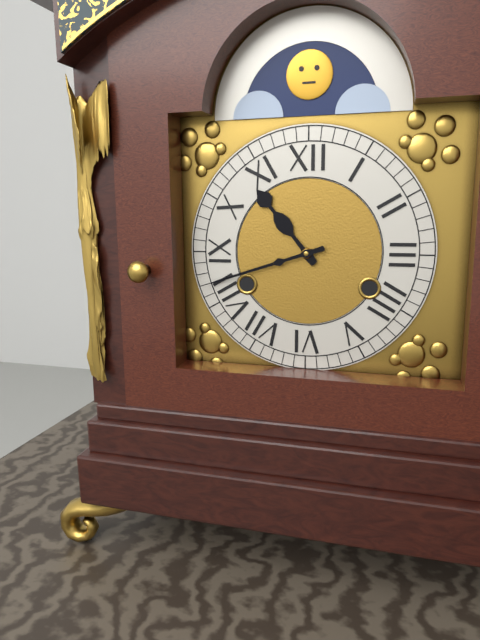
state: 10:42
